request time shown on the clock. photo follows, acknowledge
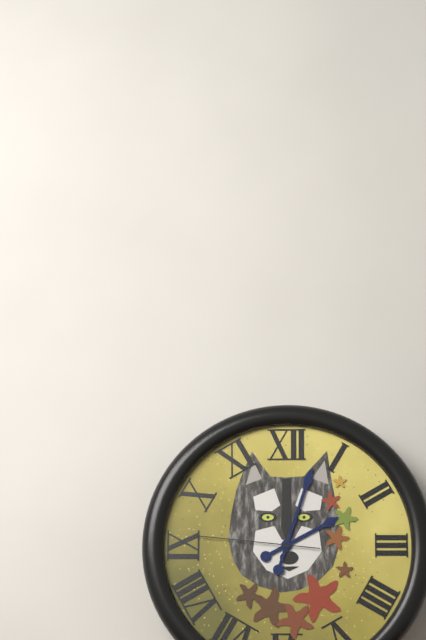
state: 2:03:46
